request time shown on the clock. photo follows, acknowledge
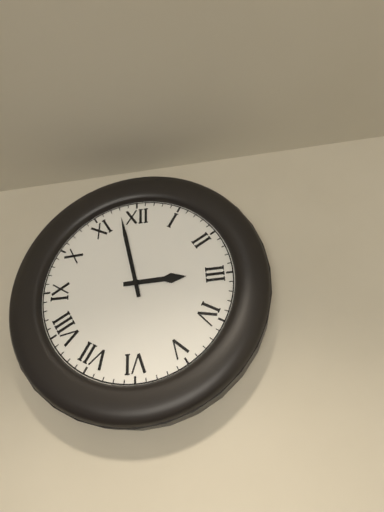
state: 2:58
